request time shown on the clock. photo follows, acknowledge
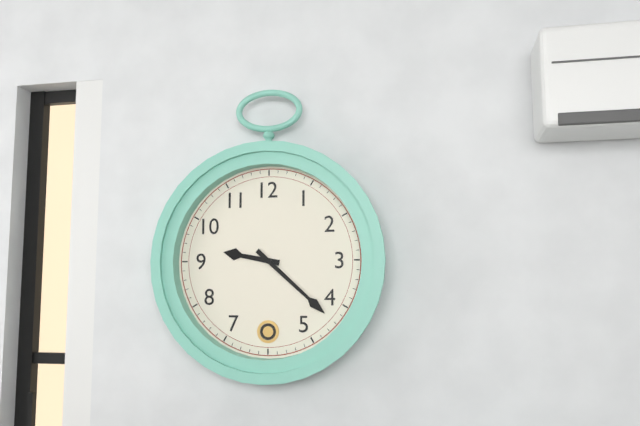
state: 9:22
